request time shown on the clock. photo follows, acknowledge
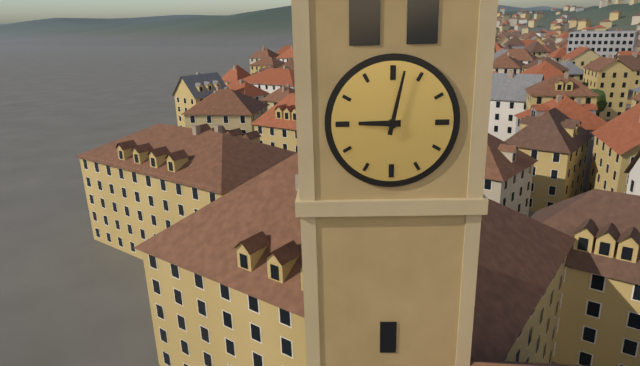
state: 9:02
